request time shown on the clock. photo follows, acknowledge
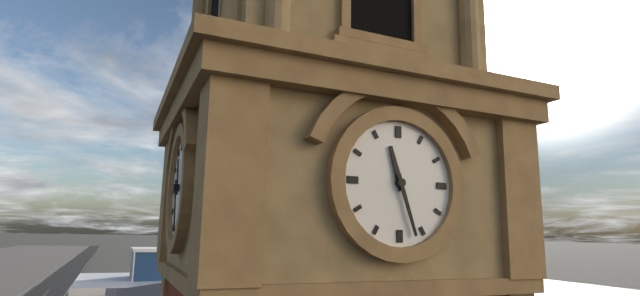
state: 11:27
